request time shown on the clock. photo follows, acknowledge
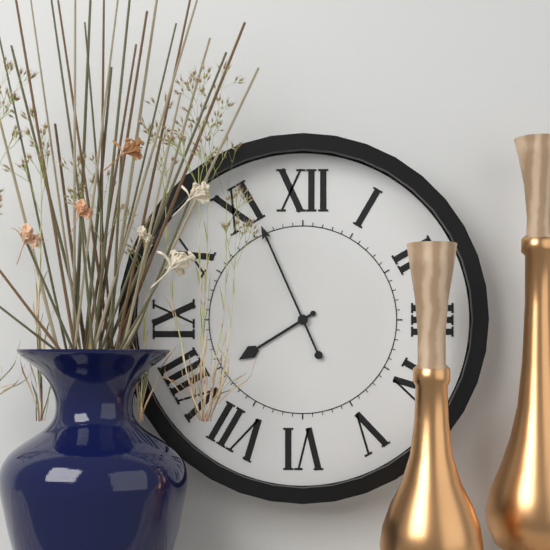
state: 7:56
